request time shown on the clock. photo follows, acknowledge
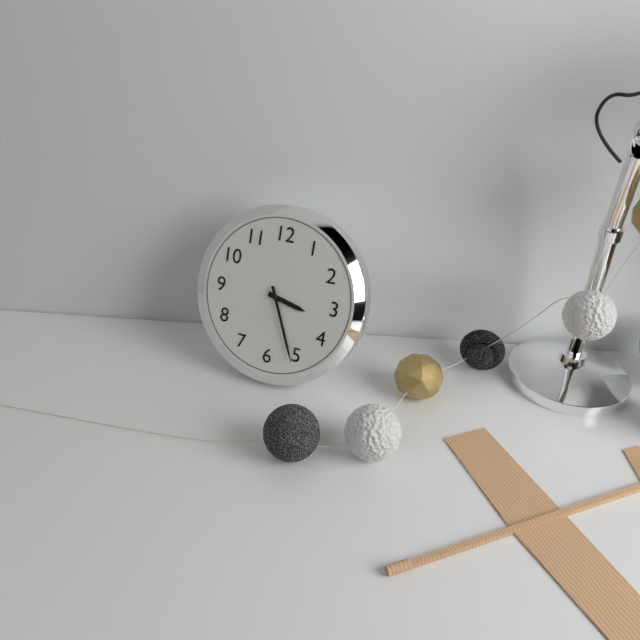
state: 3:26
